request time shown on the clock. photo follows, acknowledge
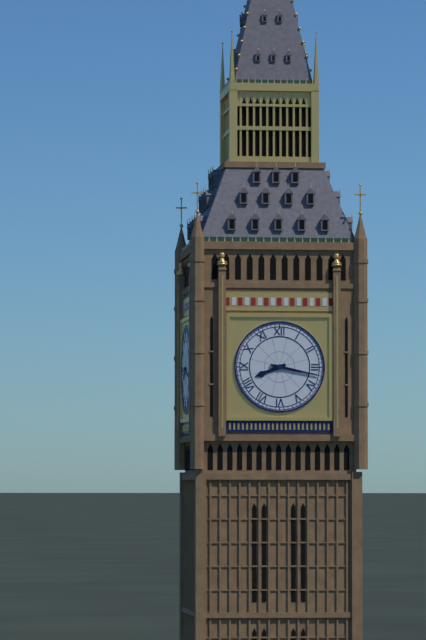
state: 8:17
